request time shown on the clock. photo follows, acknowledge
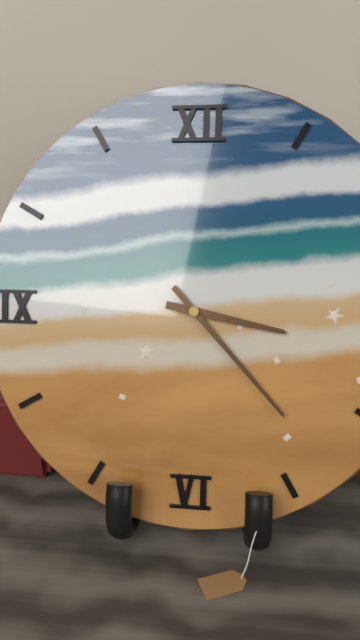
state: 3:23
